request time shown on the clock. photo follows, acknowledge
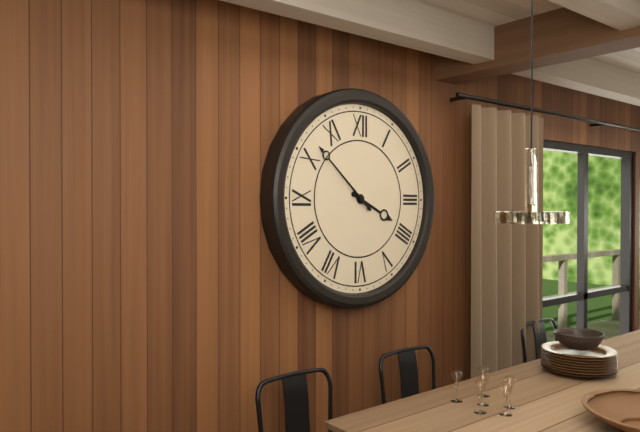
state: 3:52
